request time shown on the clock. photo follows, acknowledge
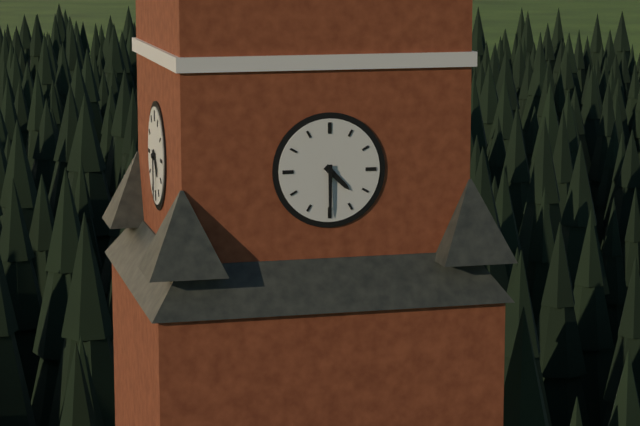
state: 4:30
